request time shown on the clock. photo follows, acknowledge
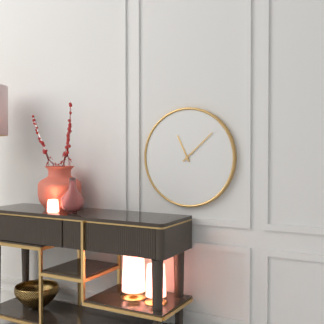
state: 11:08
